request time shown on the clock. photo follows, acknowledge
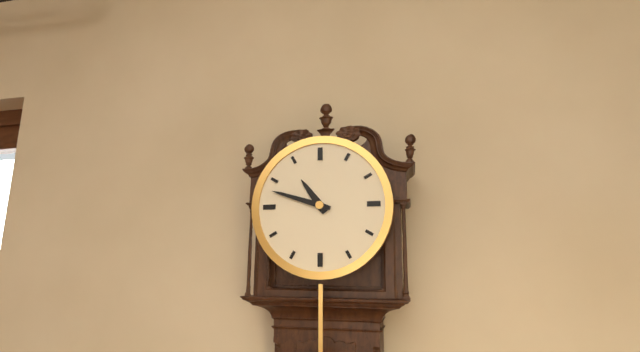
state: 10:48
